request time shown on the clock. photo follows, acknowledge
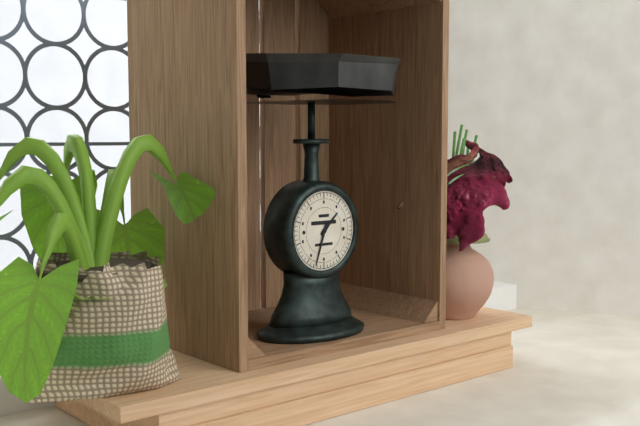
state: 1:33
